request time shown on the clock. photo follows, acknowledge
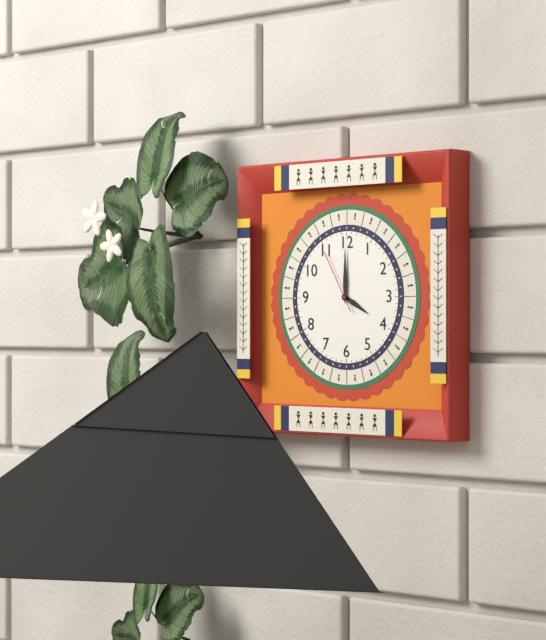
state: 4:00:55
